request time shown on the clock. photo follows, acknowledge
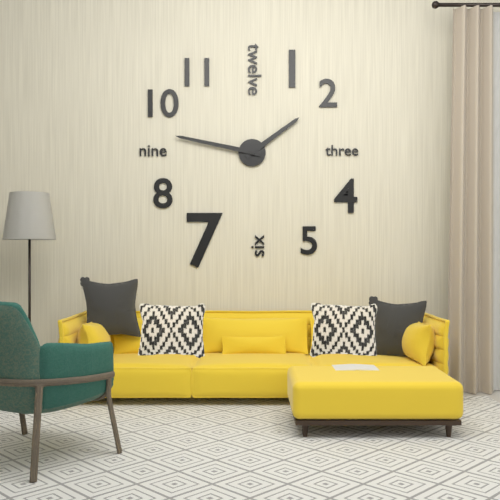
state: 1:47
